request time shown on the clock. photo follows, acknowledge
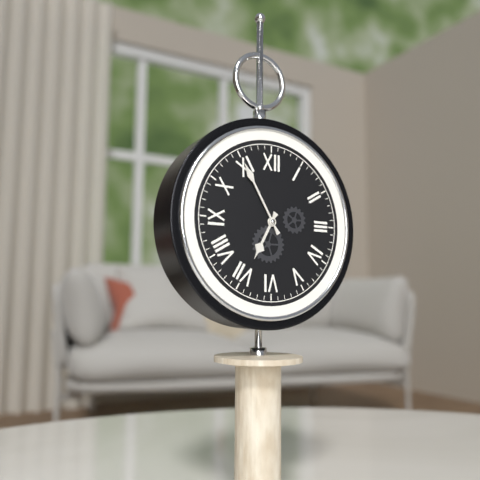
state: 6:55
